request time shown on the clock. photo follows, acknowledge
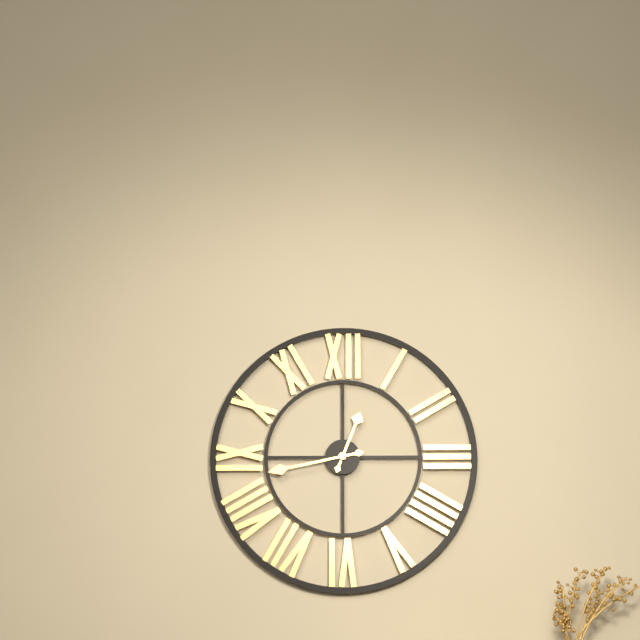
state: 12:43
